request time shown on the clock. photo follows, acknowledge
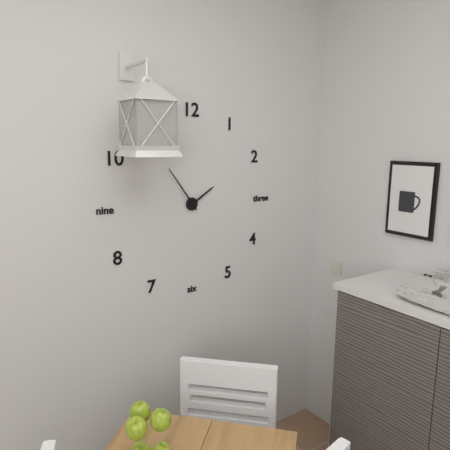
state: 1:54
